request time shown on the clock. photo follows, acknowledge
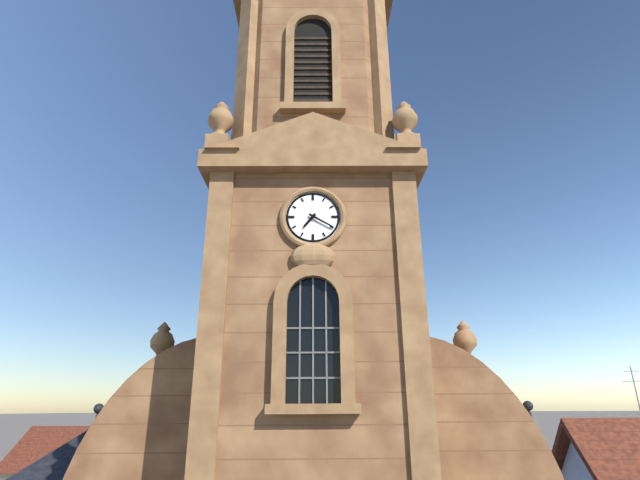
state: 7:20
